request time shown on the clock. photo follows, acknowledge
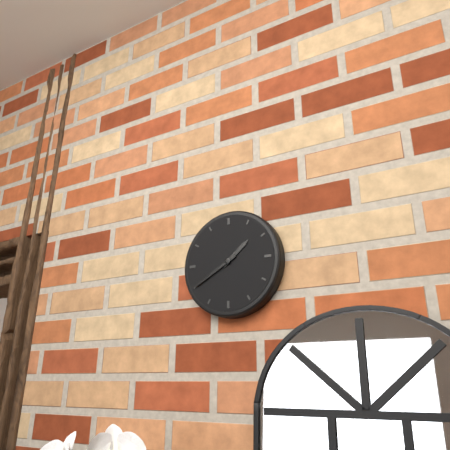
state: 1:40
